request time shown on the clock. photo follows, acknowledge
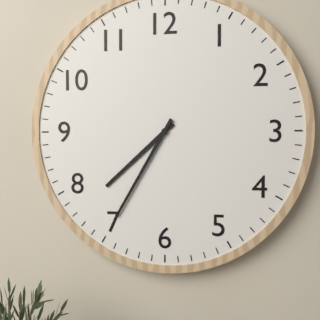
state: 7:35
